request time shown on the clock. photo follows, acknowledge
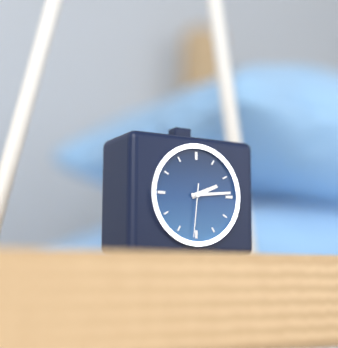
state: 2:14:31
